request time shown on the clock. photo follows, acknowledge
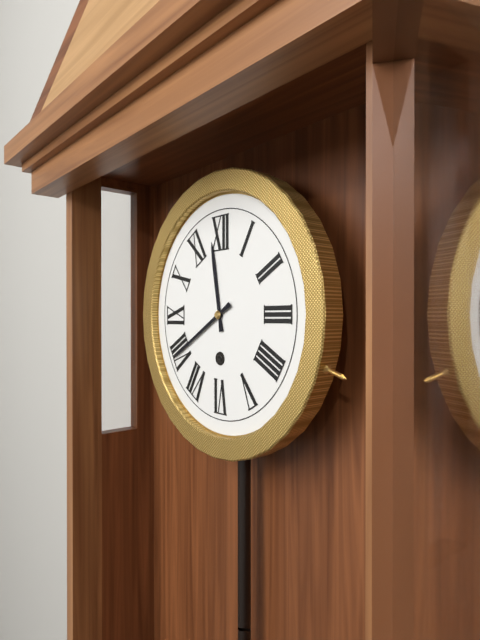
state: 11:40
